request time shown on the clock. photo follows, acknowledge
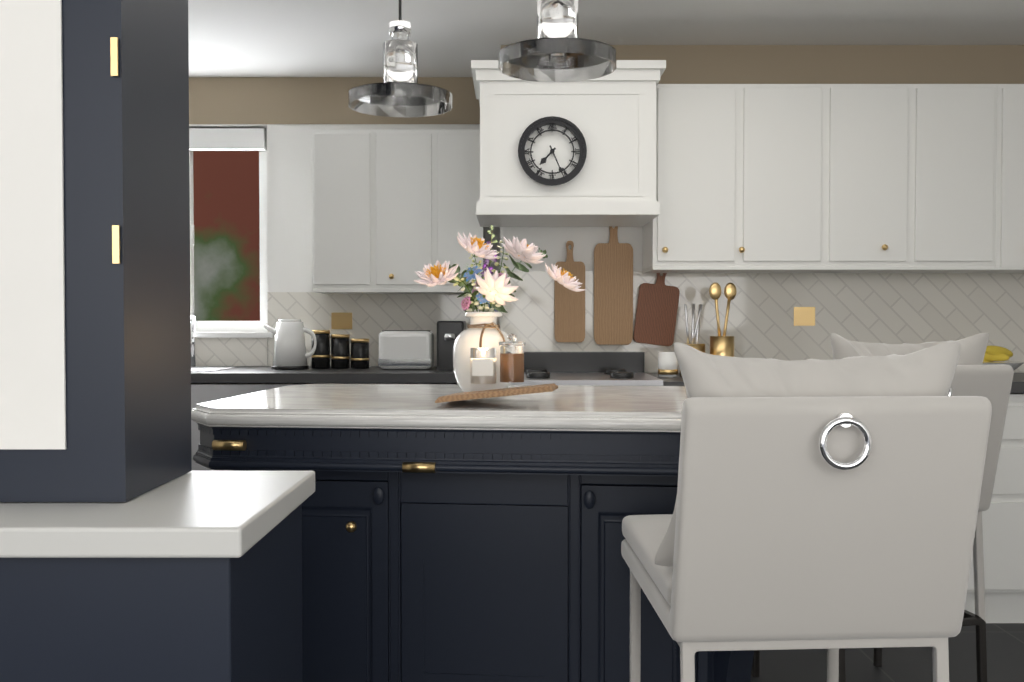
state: 7:26
